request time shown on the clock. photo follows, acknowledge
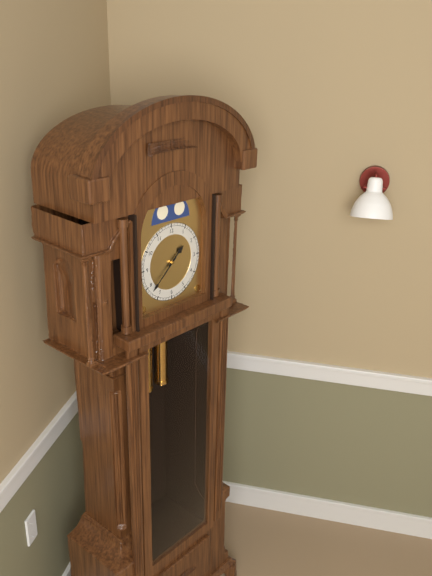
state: 1:38
